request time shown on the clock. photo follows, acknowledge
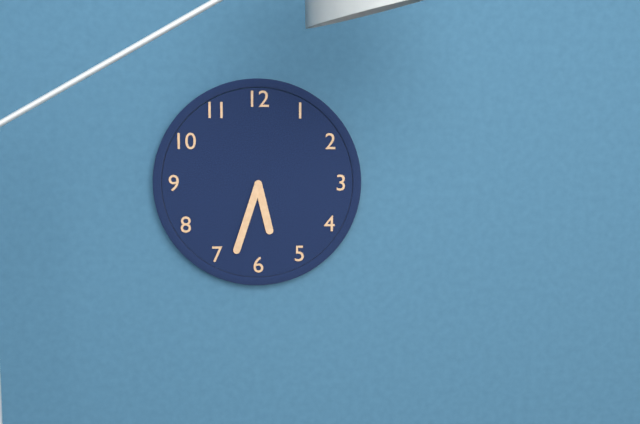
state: 5:33
